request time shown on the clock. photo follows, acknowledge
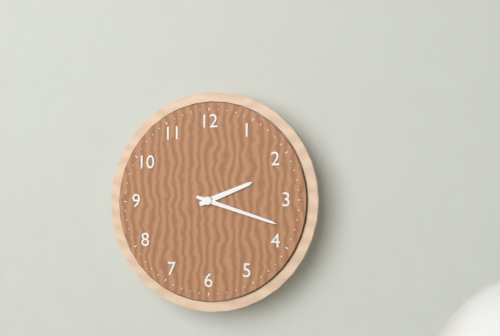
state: 2:18
